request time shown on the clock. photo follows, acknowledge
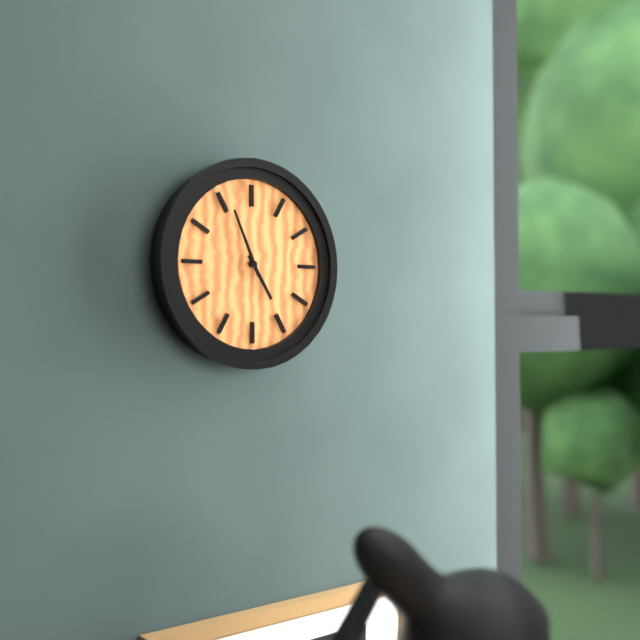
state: 4:56
